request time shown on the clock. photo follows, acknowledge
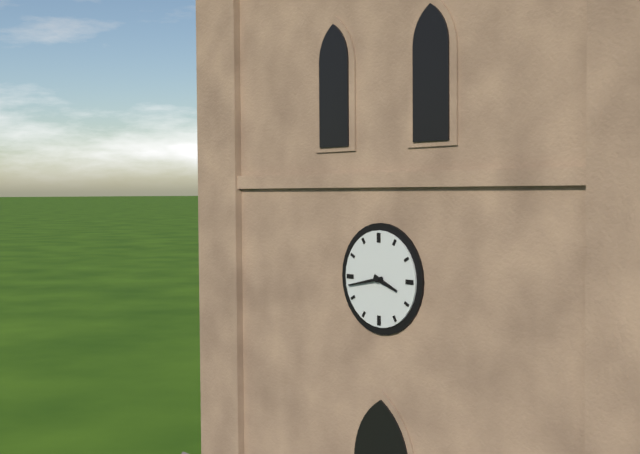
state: 3:43
